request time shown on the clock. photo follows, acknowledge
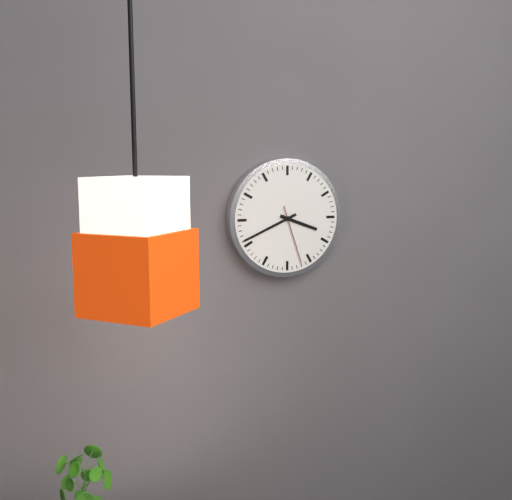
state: 3:41:27
